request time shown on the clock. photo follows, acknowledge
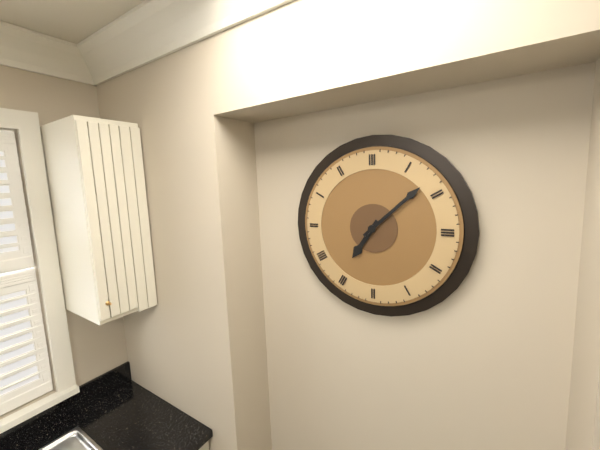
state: 7:08
